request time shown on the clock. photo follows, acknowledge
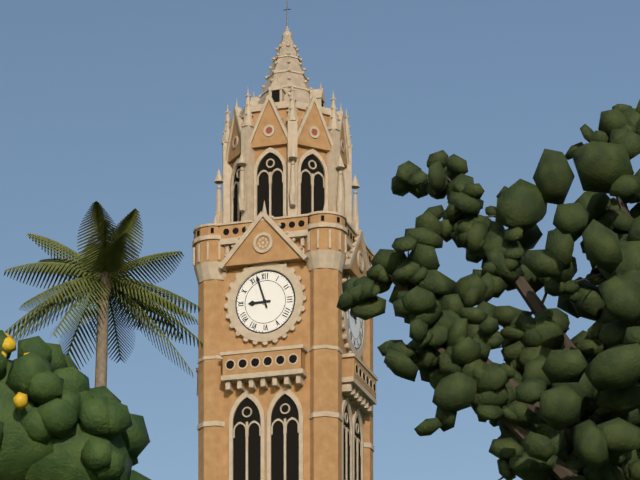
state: 8:57
